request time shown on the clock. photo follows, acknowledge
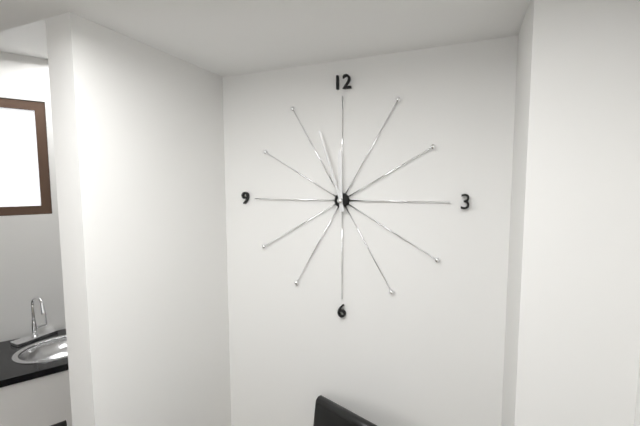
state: 11:57
